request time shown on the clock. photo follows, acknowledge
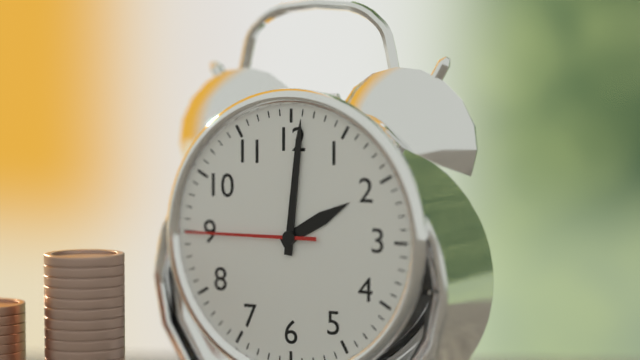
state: 2:01:45
